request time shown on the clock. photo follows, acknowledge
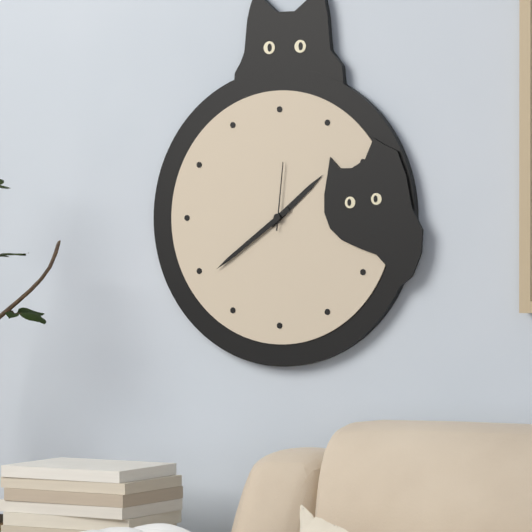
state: 1:39:01
